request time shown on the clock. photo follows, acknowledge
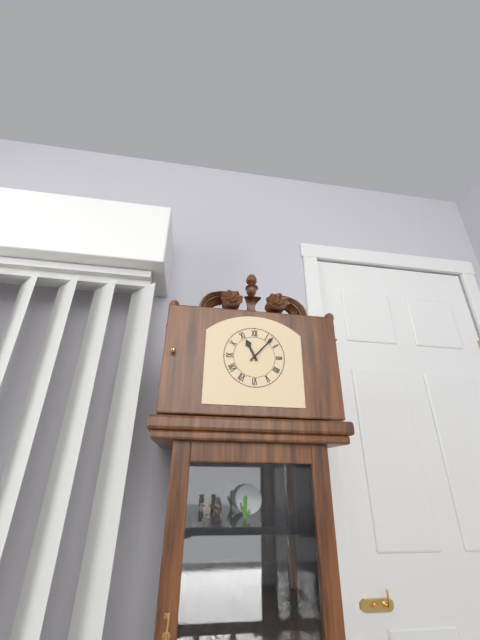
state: 11:07
